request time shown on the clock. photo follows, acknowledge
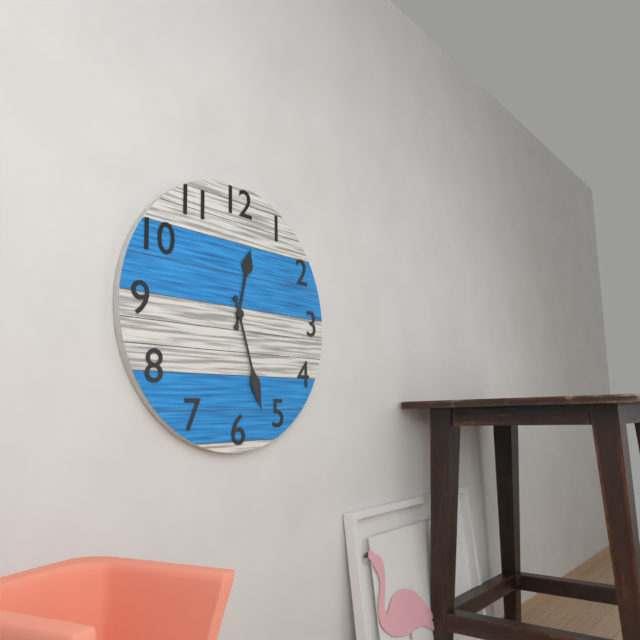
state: 12:27
